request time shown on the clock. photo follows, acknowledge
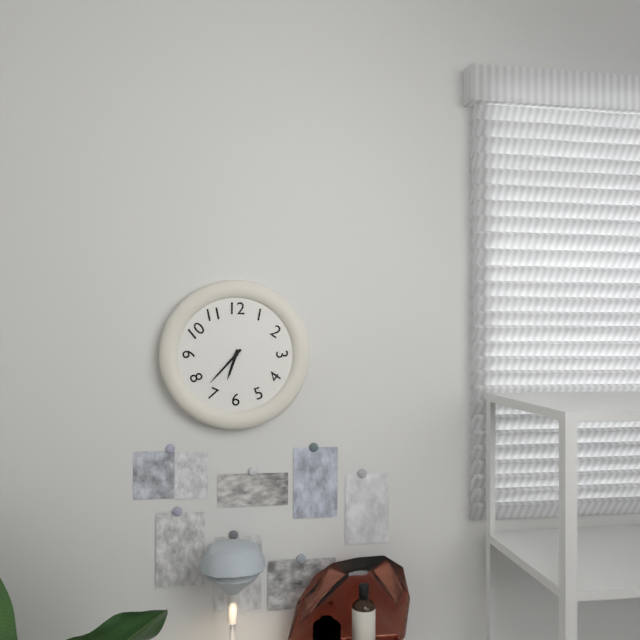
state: 6:37
